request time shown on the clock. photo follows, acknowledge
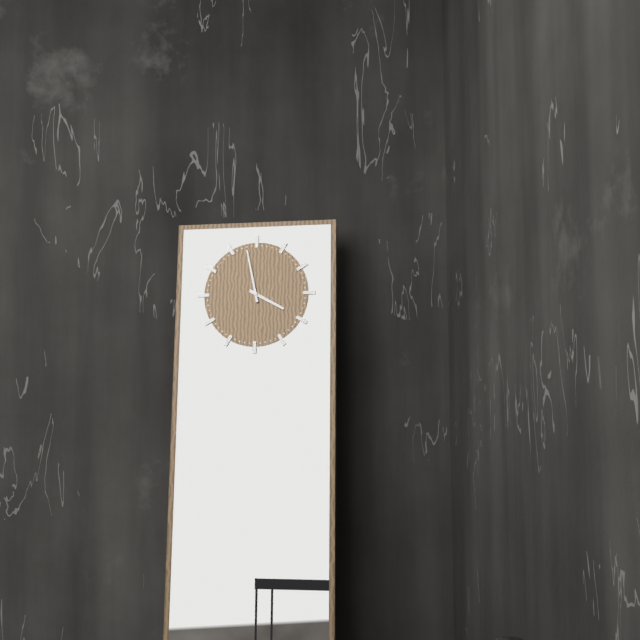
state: 3:58
